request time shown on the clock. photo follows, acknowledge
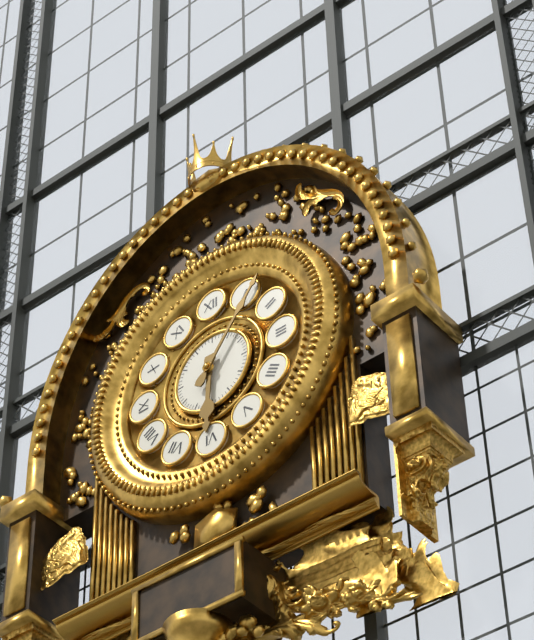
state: 6:06
